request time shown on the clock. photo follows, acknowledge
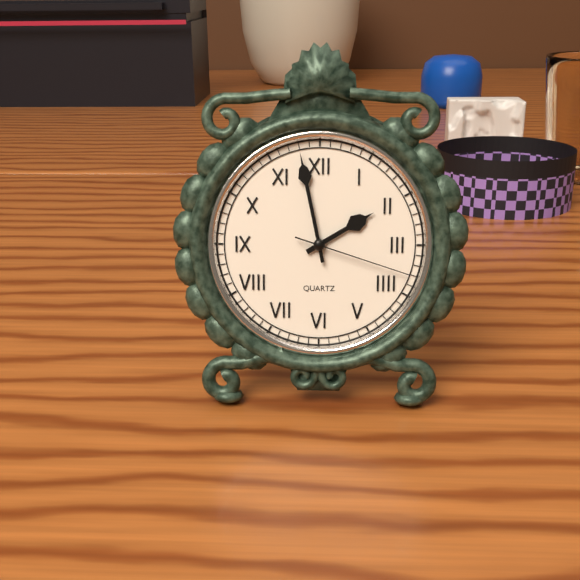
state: 1:58:18
